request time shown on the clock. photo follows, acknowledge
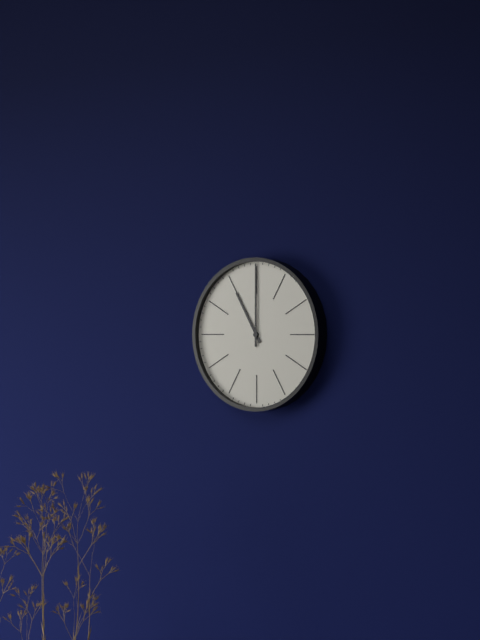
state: 11:00
